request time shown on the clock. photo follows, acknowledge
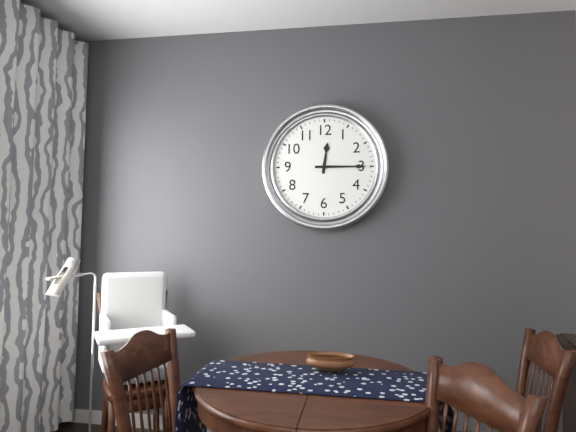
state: 12:15
